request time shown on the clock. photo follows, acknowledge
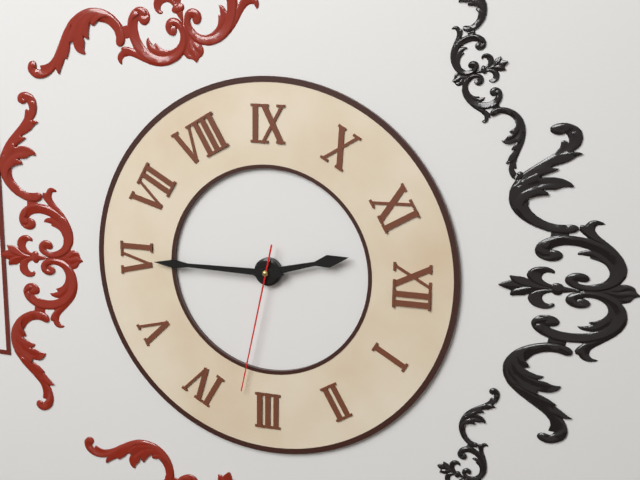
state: 11:30:17
